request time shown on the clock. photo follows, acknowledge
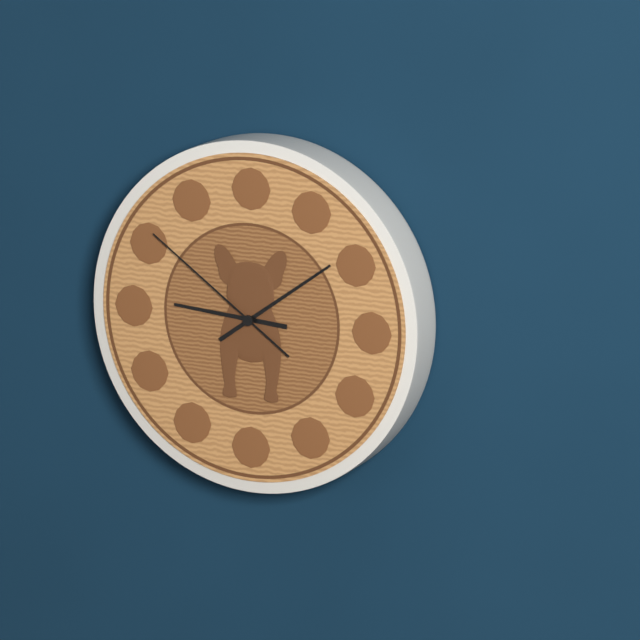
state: 9:09:51
